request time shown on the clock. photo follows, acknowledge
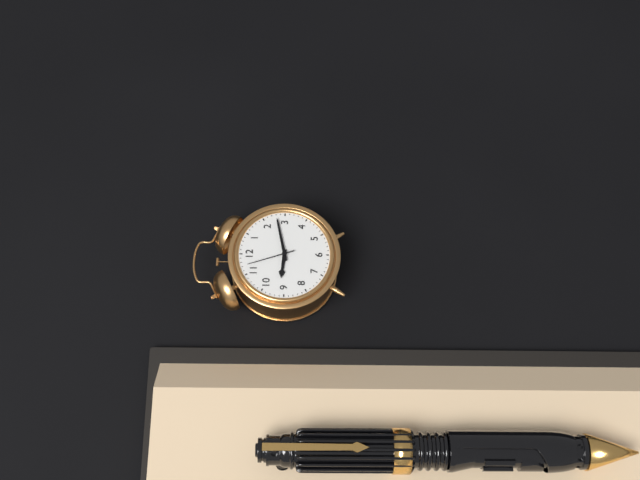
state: 9:13
